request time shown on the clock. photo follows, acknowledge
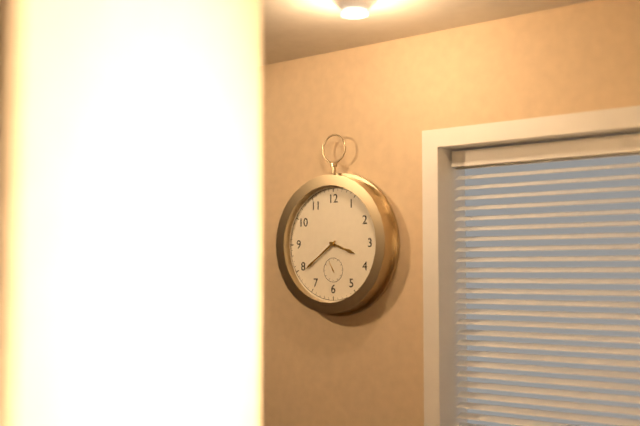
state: 3:39
